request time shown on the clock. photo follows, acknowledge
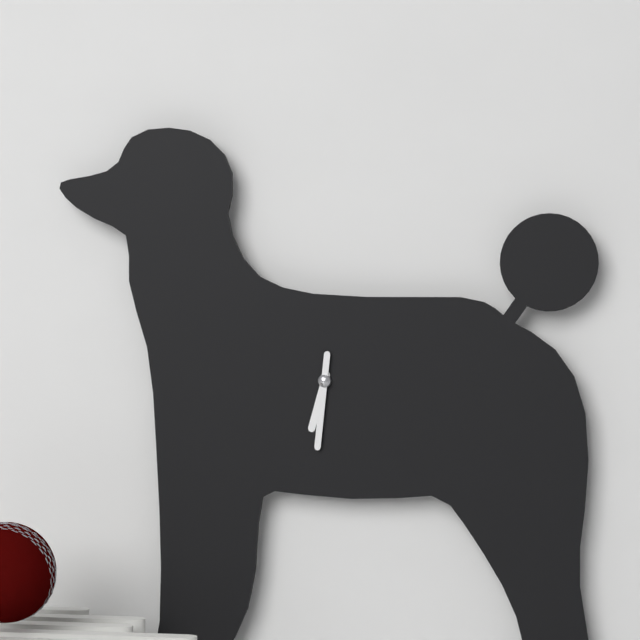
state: 6:31
